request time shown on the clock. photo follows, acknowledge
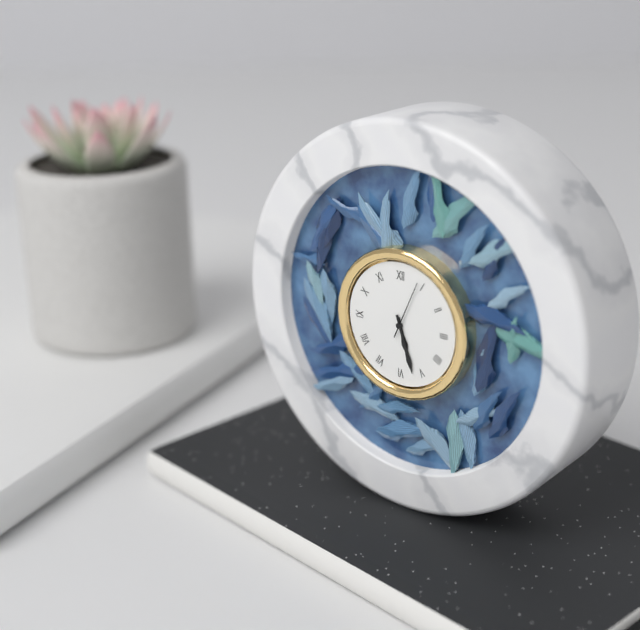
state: 5:27:04
